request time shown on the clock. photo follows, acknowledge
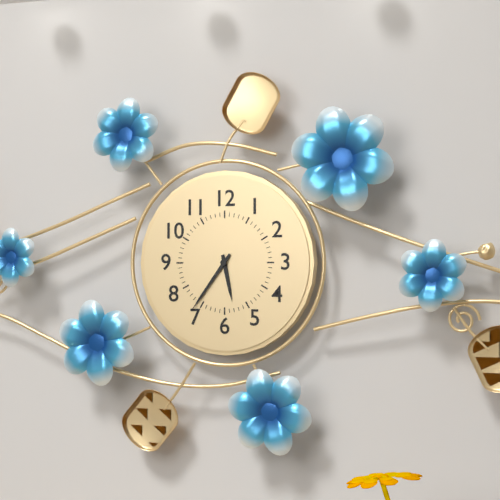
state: 5:36
